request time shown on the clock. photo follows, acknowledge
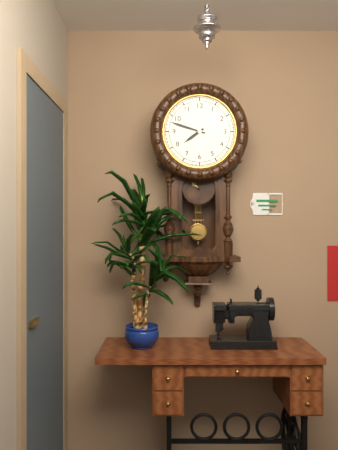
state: 7:48
